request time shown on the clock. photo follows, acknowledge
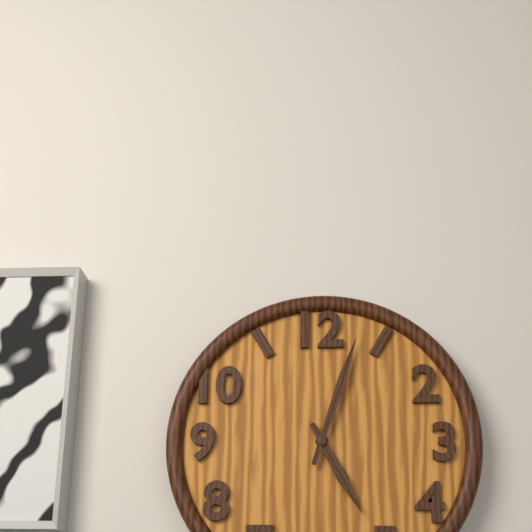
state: 5:03
